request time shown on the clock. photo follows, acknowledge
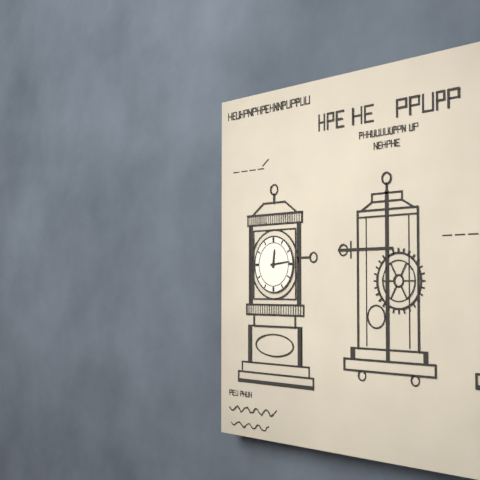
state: 12:14
